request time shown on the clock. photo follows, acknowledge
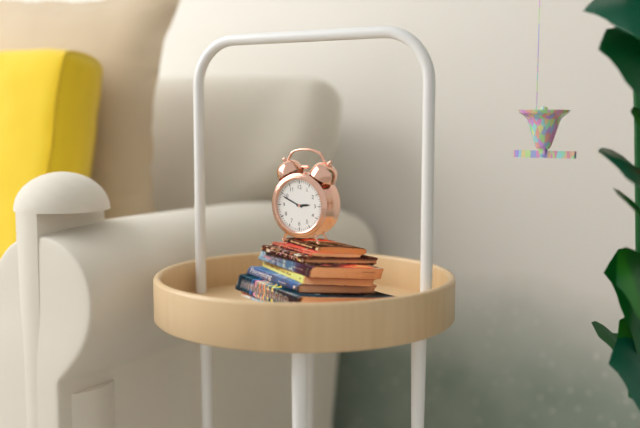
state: 2:49
